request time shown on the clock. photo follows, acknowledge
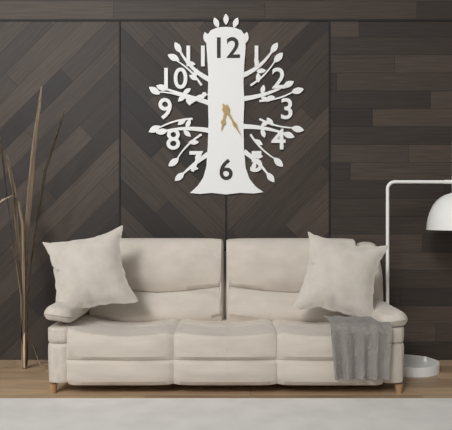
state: 6:25
